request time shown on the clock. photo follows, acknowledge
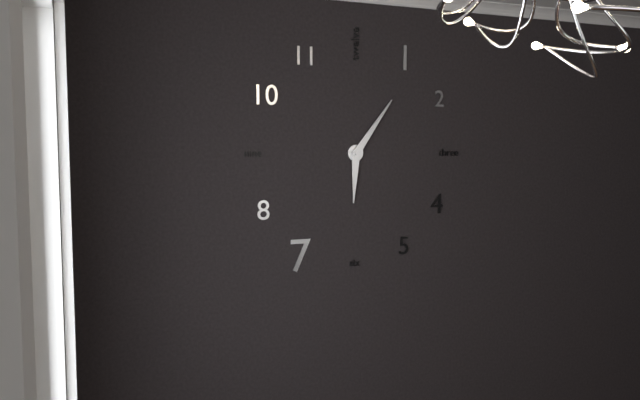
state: 6:06
